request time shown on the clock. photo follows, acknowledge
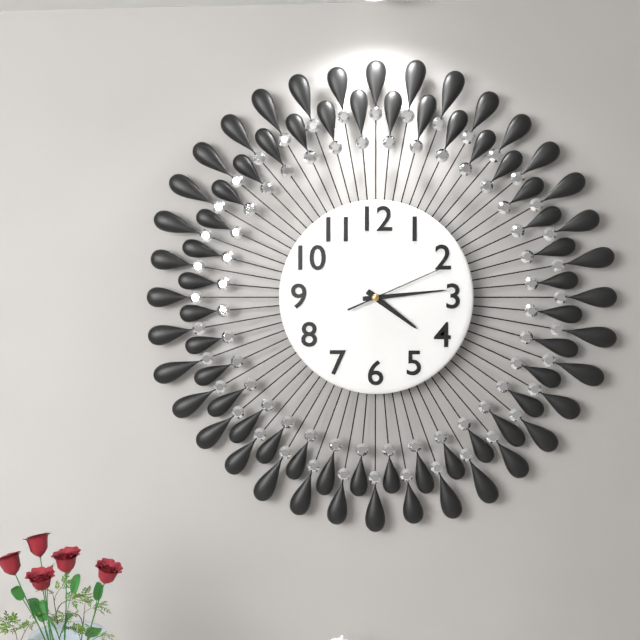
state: 4:14:11
